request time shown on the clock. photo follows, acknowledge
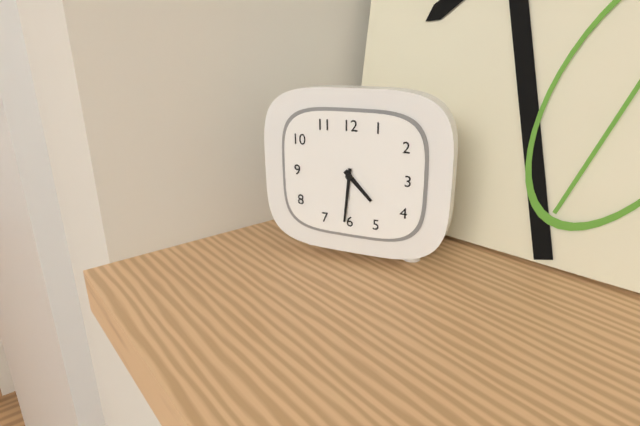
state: 4:31
